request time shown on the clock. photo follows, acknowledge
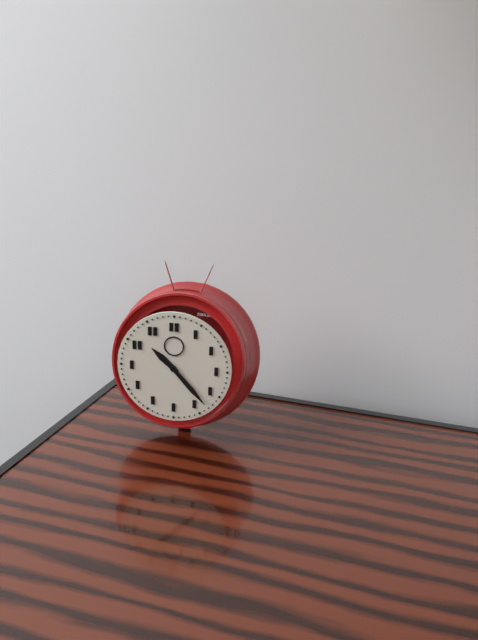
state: 10:23
